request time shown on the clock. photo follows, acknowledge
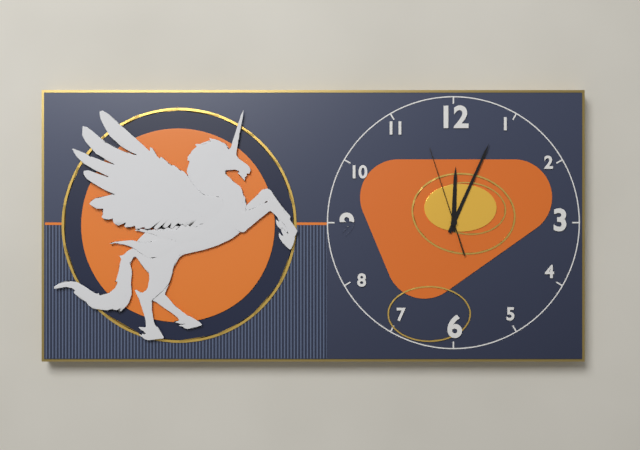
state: 12:04:57
